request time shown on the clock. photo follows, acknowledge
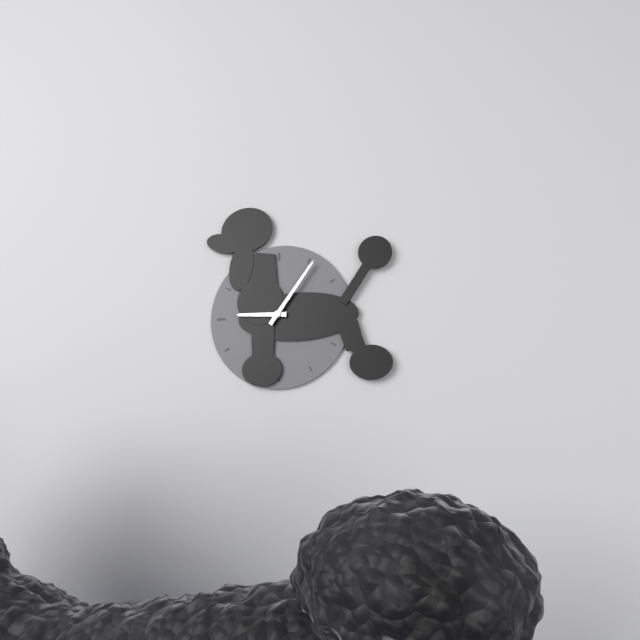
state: 9:06
